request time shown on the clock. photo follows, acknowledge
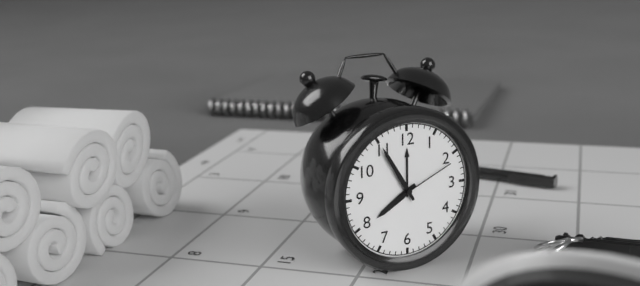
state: 7:55:11
